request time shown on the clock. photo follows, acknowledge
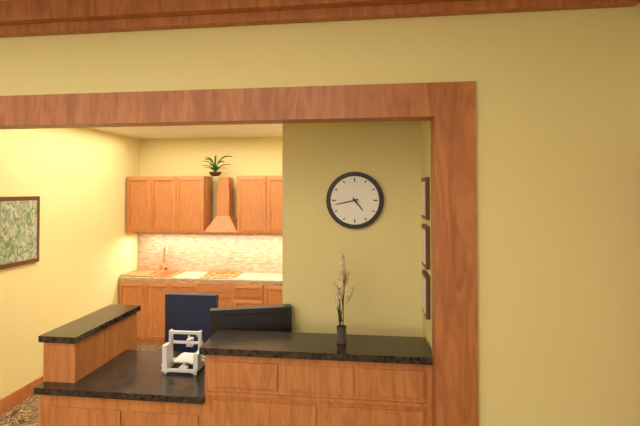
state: 4:43
